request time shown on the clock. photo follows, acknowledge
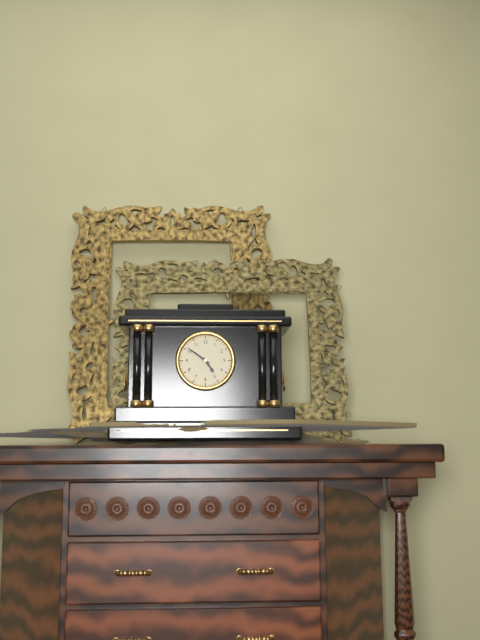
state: 4:51
